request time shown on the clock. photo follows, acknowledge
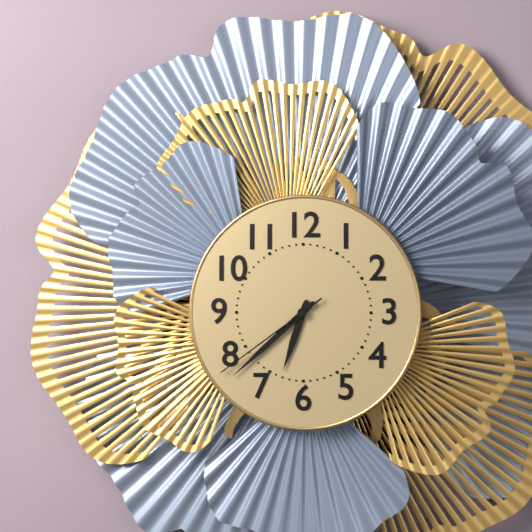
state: 6:38:39
